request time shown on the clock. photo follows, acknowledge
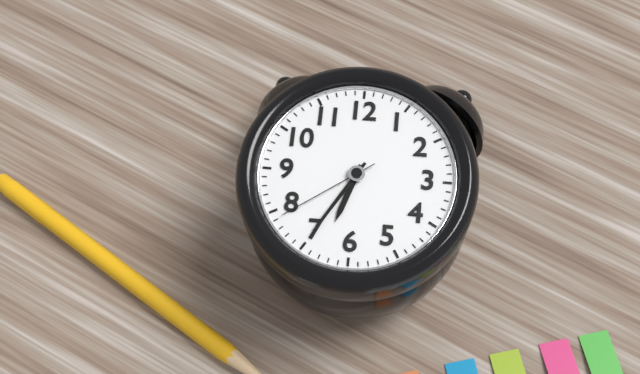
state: 6:35:39
